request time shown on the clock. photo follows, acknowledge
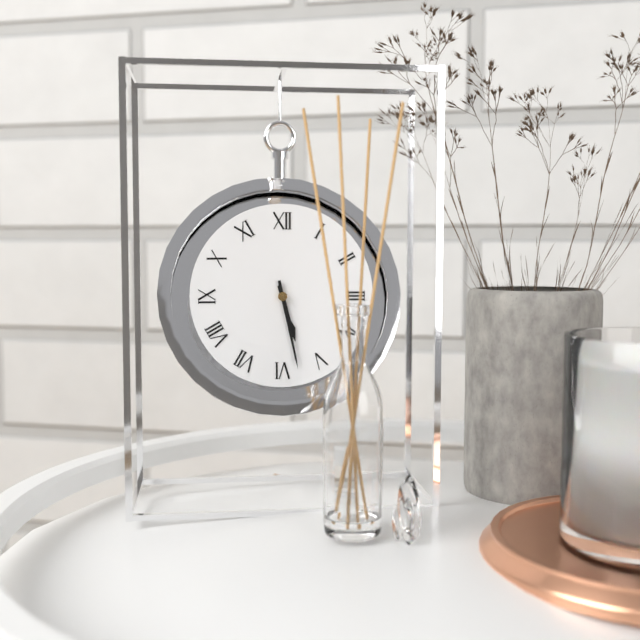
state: 5:28
